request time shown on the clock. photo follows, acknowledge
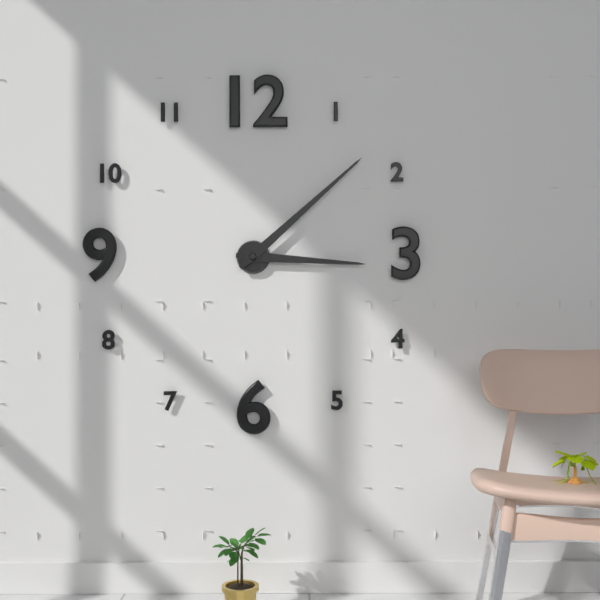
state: 3:08
